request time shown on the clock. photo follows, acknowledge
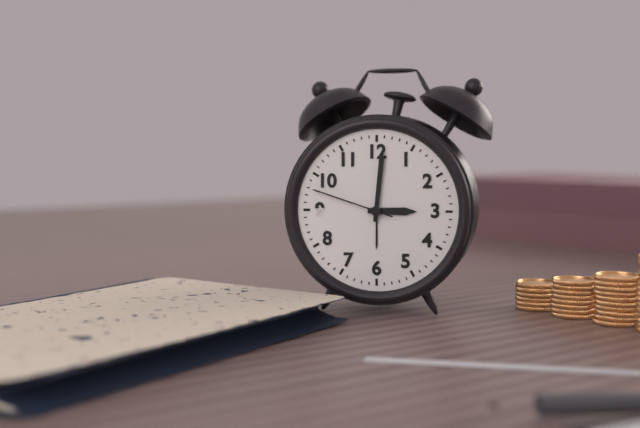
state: 3:01:48
